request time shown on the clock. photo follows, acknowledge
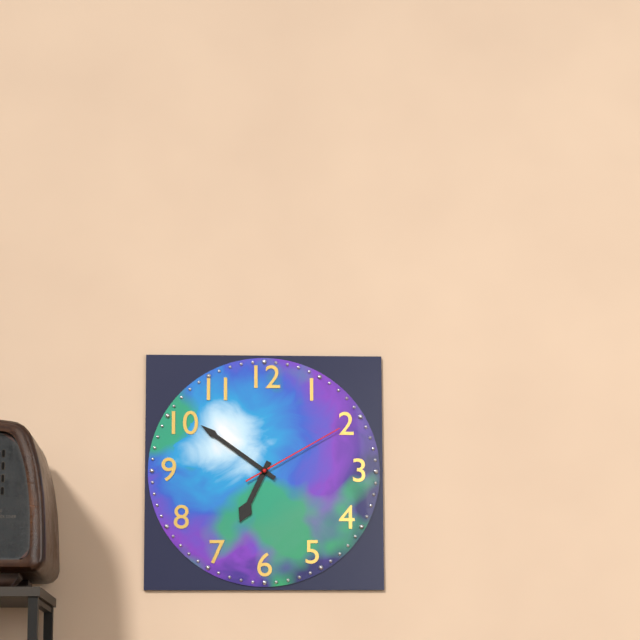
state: 6:51:10
